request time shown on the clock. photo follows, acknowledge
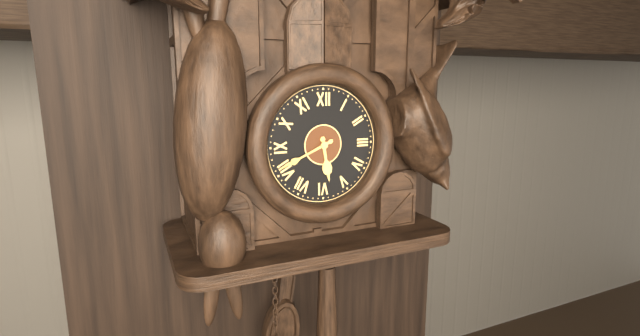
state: 5:41
